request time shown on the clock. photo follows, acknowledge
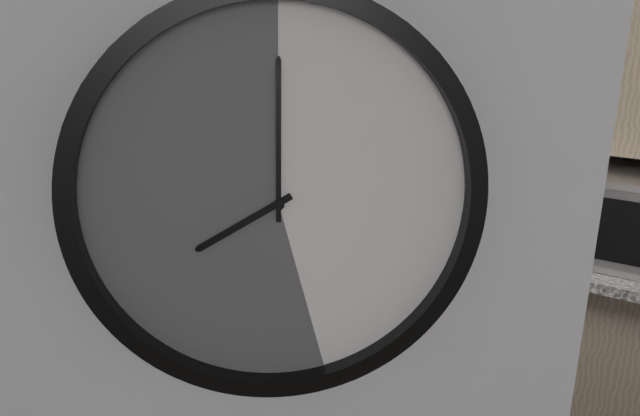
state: 8:00
